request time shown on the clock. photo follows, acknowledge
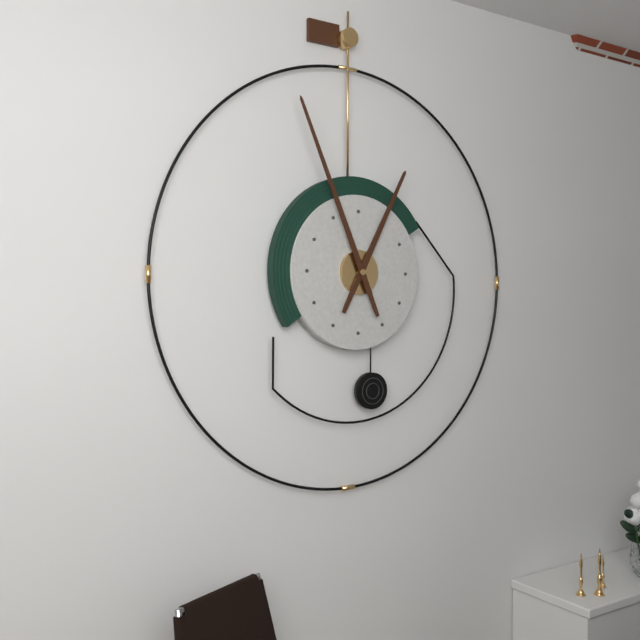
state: 12:56
